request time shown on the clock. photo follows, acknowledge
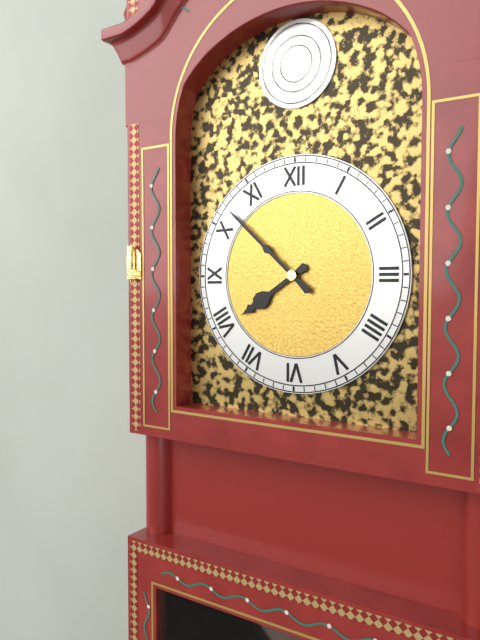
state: 7:52
